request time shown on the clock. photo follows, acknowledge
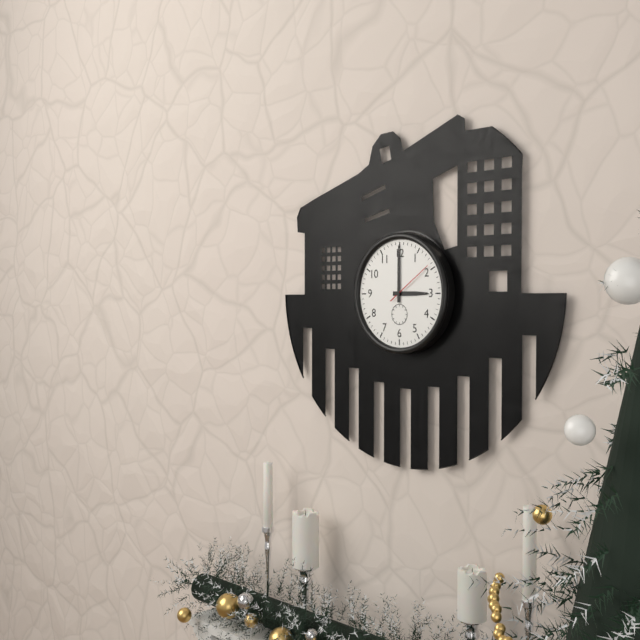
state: 3:00:09
